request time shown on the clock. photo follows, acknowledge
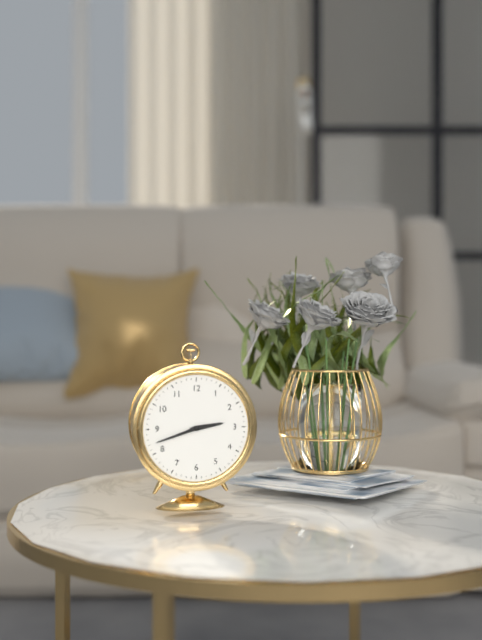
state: 2:42
